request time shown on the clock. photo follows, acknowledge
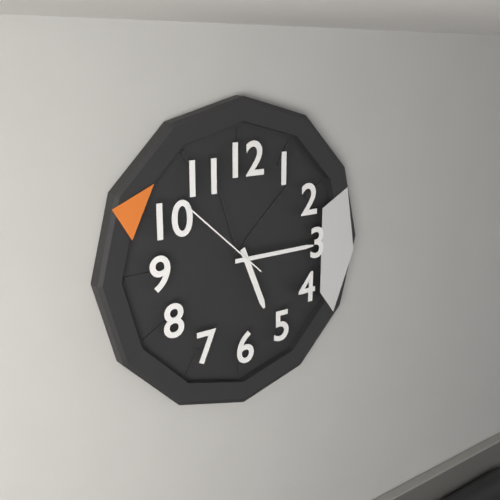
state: 5:15:52
